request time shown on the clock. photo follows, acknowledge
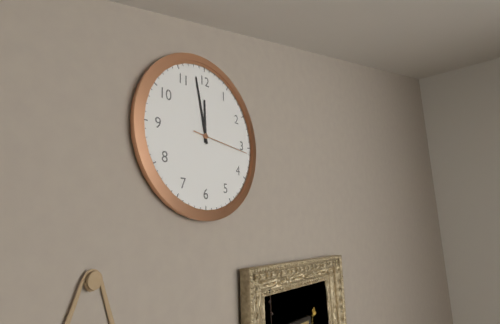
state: 11:58:16
